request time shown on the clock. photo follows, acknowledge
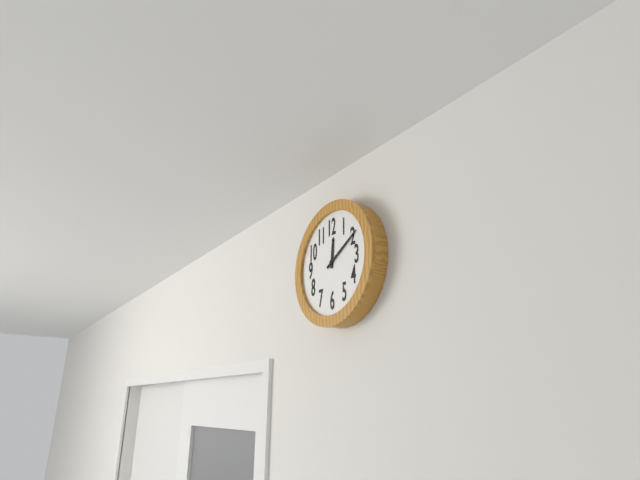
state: 12:10
